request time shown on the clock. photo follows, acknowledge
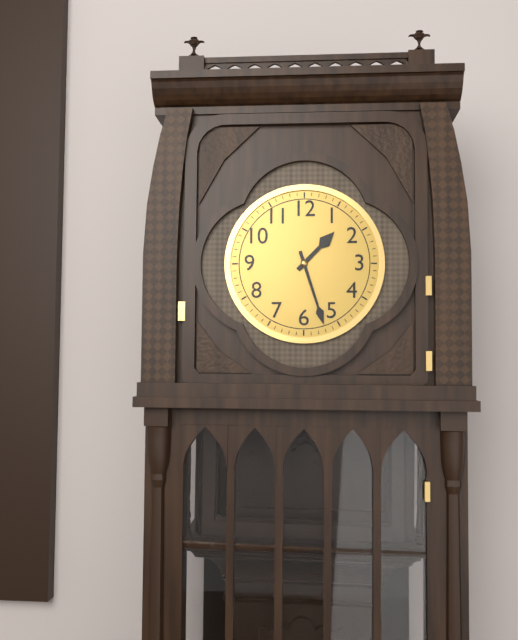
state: 1:27
